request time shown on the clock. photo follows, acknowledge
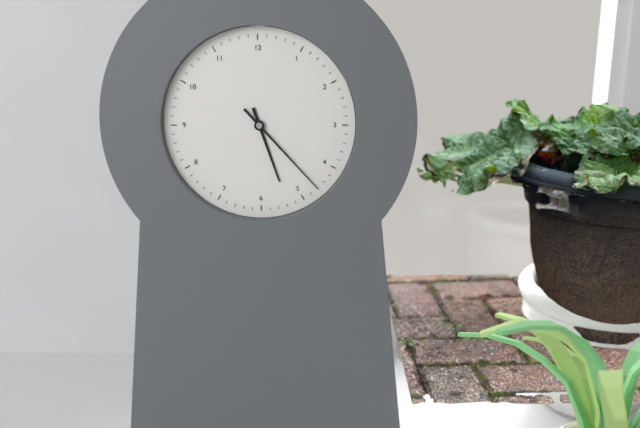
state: 5:23
